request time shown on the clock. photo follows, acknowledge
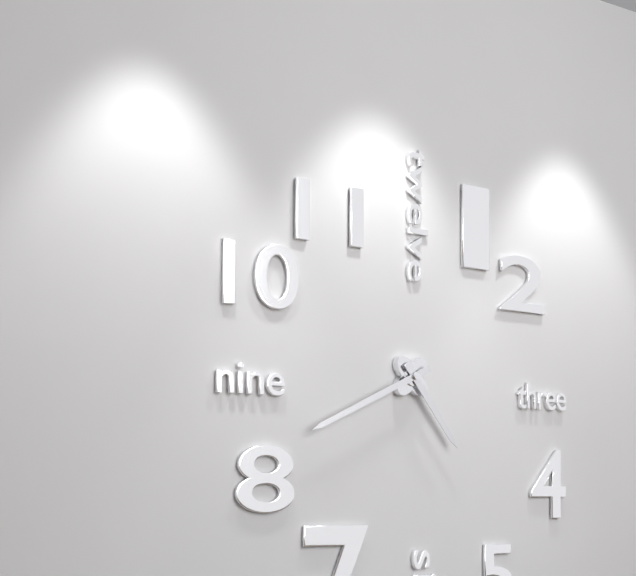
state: 4:41
